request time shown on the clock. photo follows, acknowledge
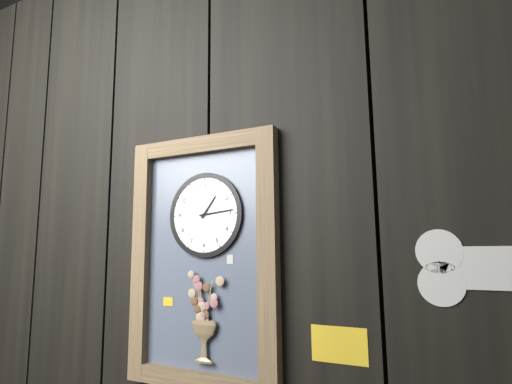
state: 1:14
